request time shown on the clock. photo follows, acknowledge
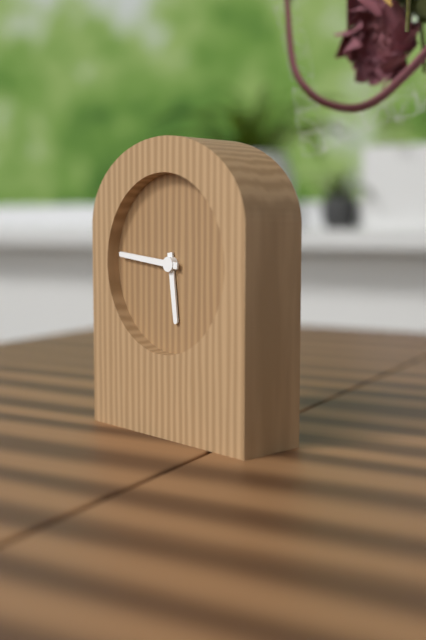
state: 5:46
